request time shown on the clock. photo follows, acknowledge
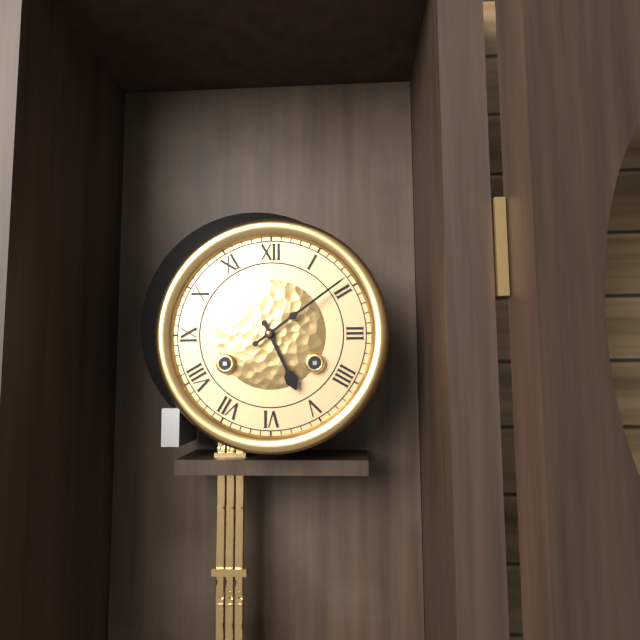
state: 5:09
